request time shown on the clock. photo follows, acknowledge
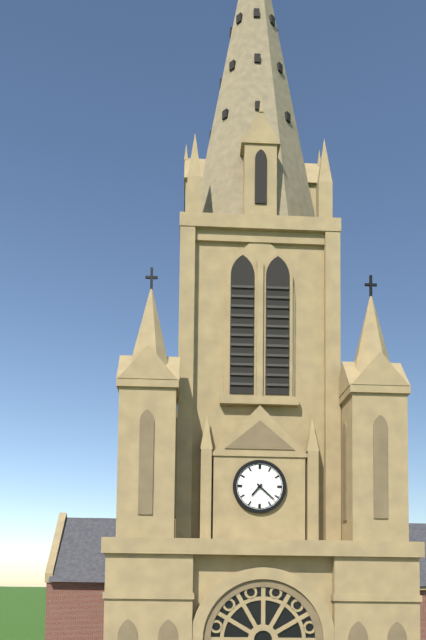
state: 7:22
